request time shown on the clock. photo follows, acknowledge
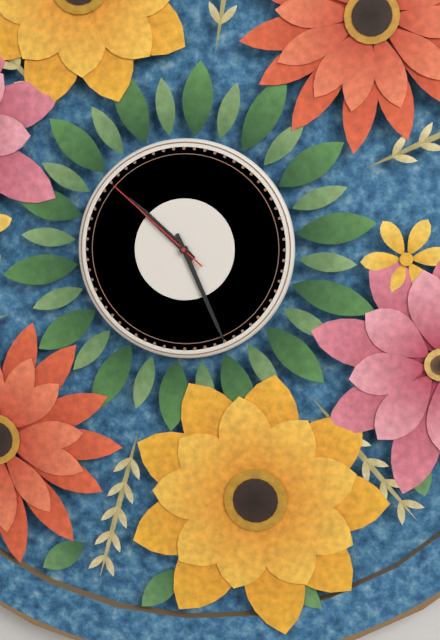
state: 10:26:52
